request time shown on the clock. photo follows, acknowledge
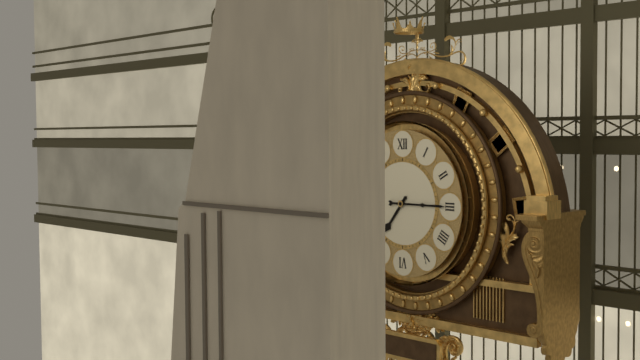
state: 7:15
